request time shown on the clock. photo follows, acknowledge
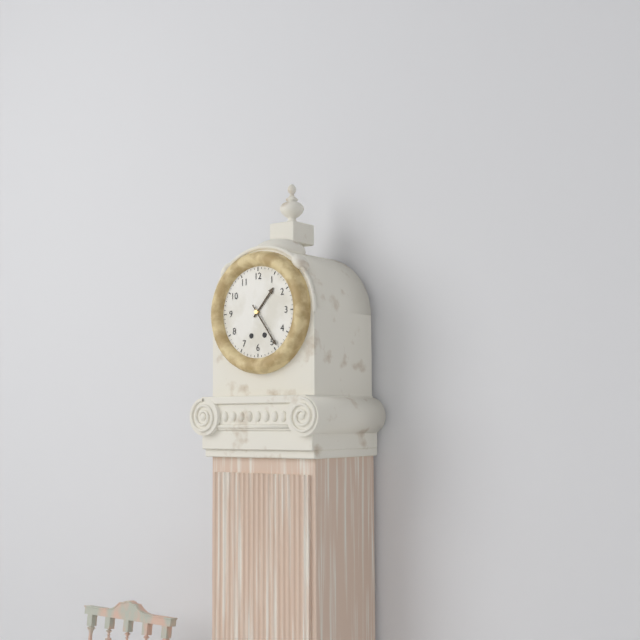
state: 1:24
